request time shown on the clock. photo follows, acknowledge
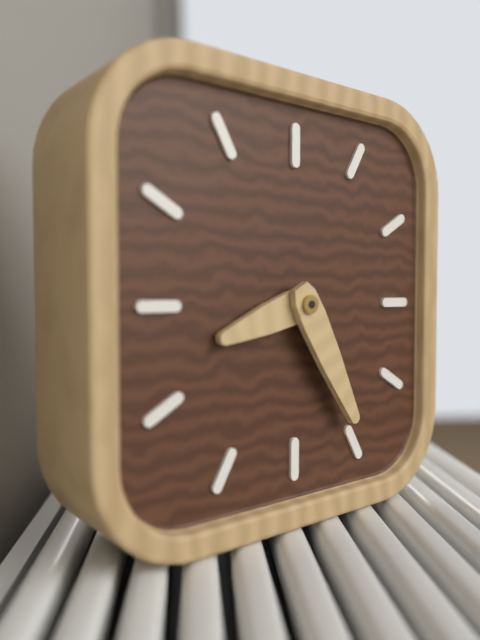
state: 8:25
